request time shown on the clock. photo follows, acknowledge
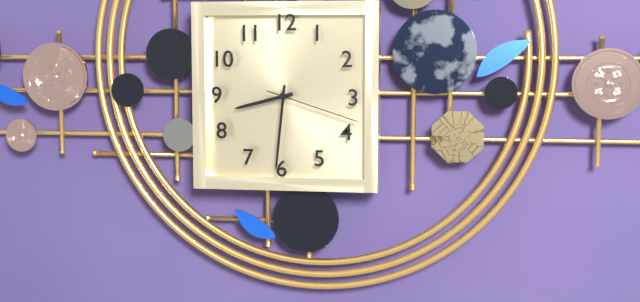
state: 8:31:18
